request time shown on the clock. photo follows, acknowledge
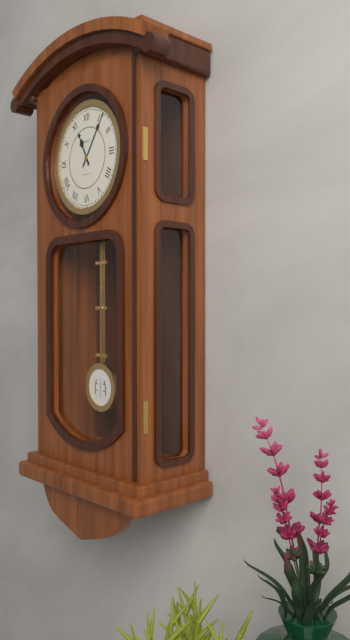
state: 11:06
